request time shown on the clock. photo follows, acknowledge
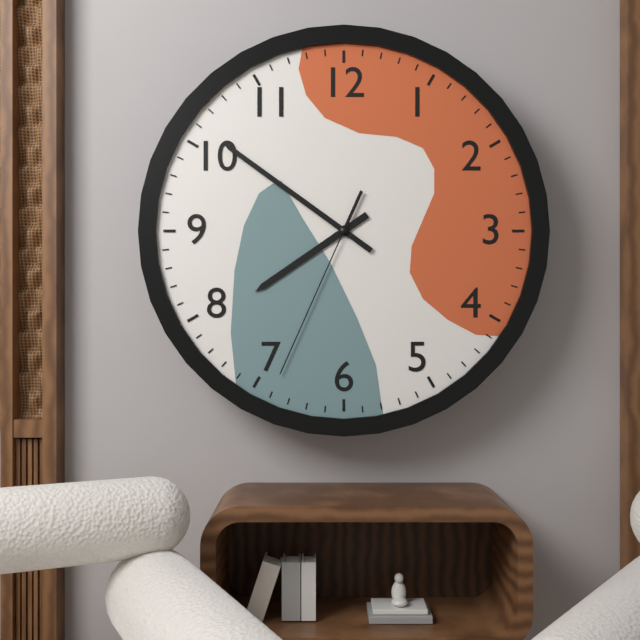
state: 7:51:34
